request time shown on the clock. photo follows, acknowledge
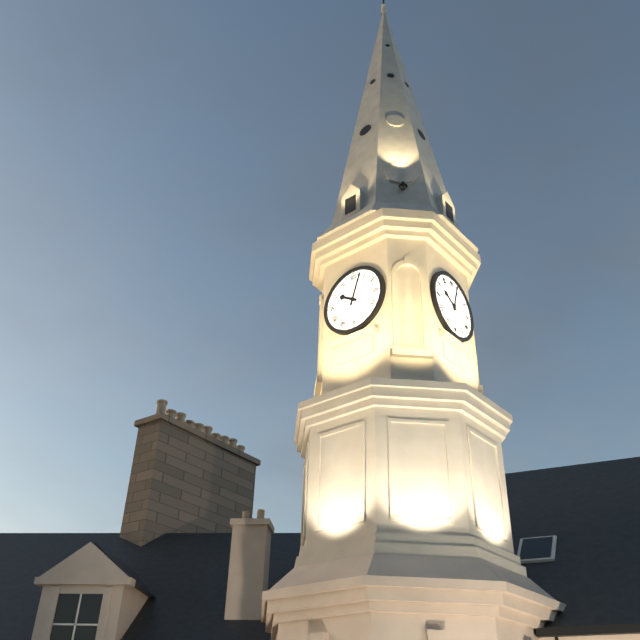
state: 10:03
